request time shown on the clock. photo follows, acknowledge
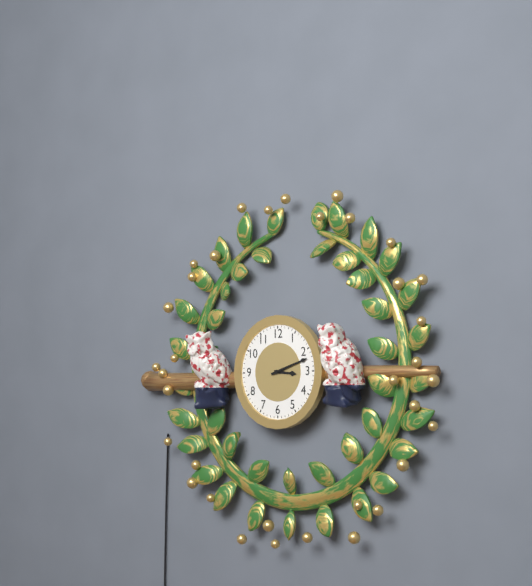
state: 3:12
